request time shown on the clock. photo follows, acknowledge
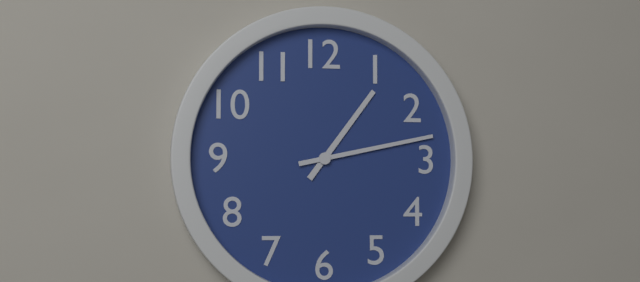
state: 1:13
